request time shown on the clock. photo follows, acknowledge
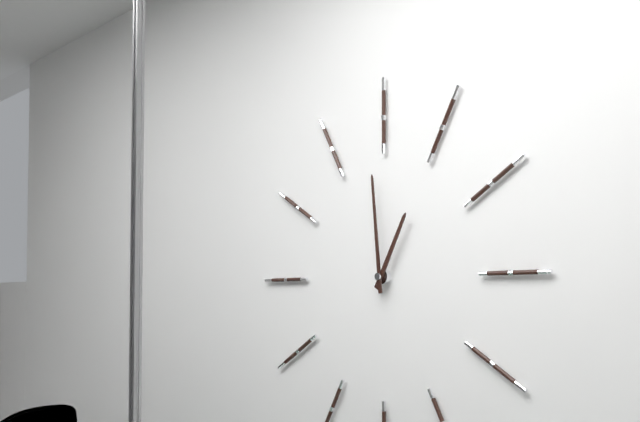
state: 12:59
